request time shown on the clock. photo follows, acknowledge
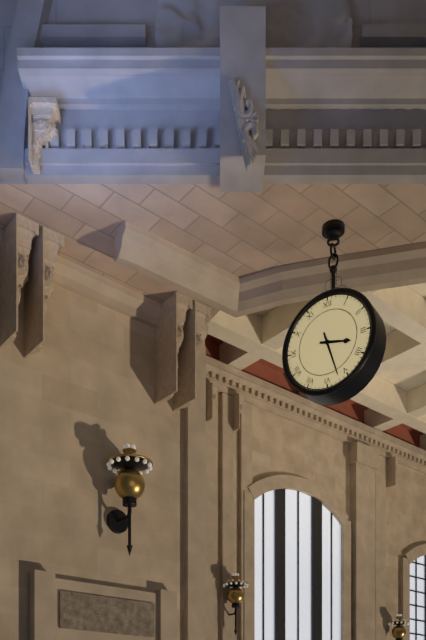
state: 3:27
